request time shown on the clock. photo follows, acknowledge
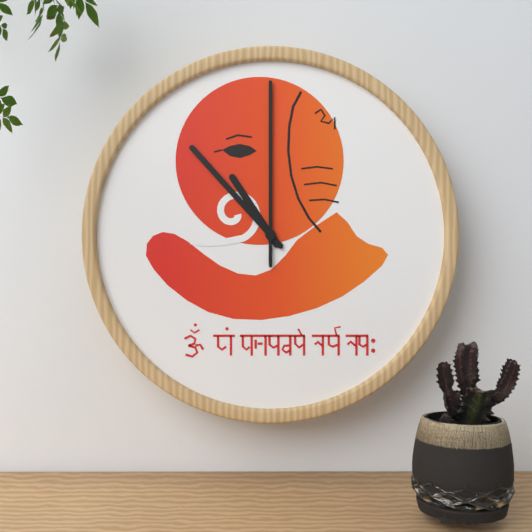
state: 10:53:00
